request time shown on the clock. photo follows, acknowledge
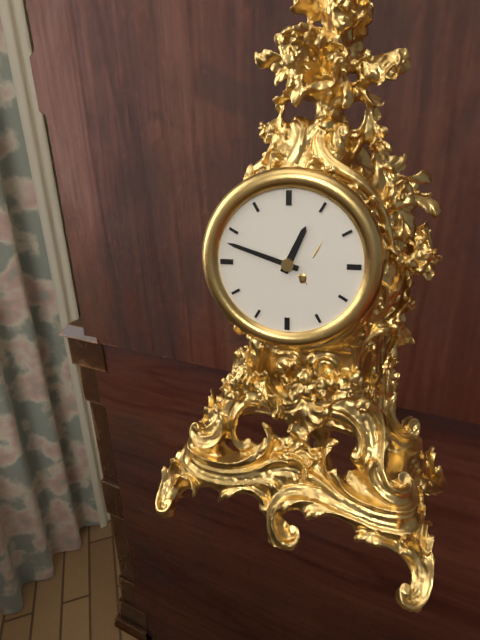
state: 12:48
